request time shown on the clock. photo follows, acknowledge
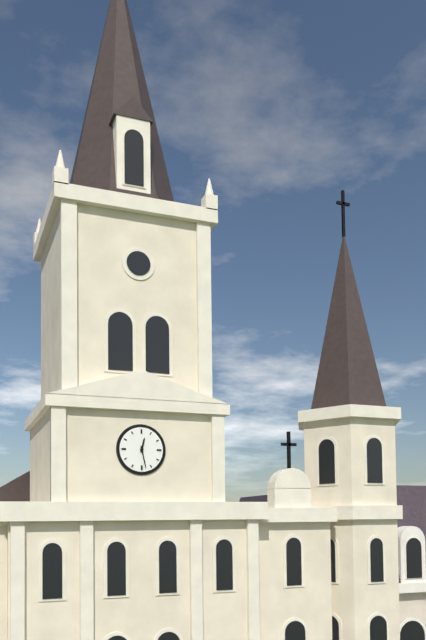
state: 12:28
